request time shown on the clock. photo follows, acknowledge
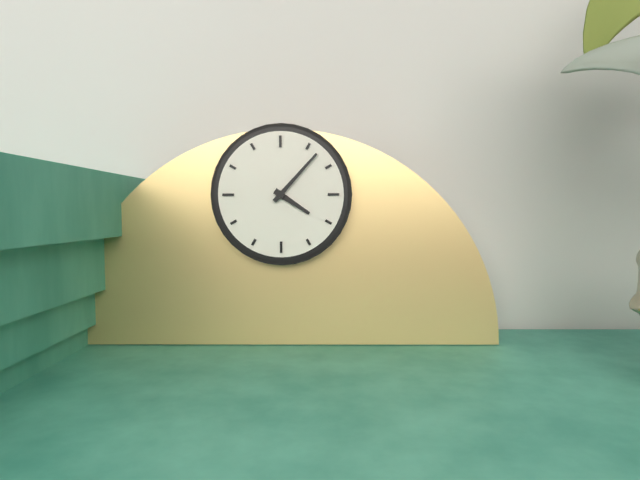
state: 4:07
